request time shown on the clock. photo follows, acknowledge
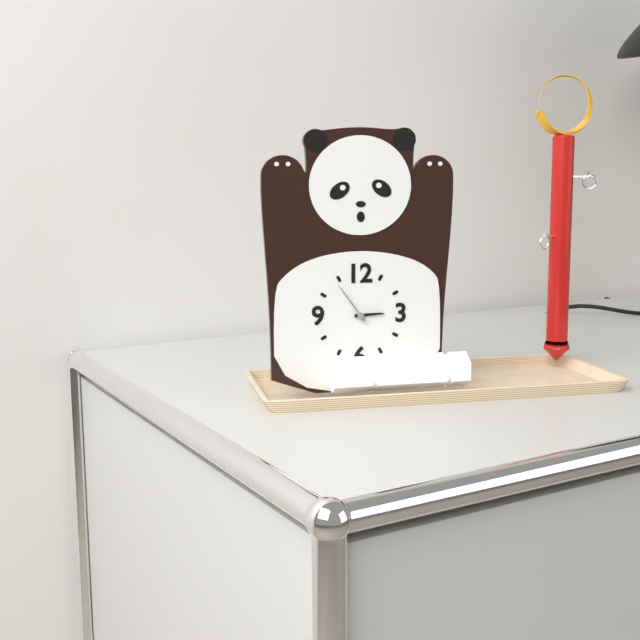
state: 2:54
